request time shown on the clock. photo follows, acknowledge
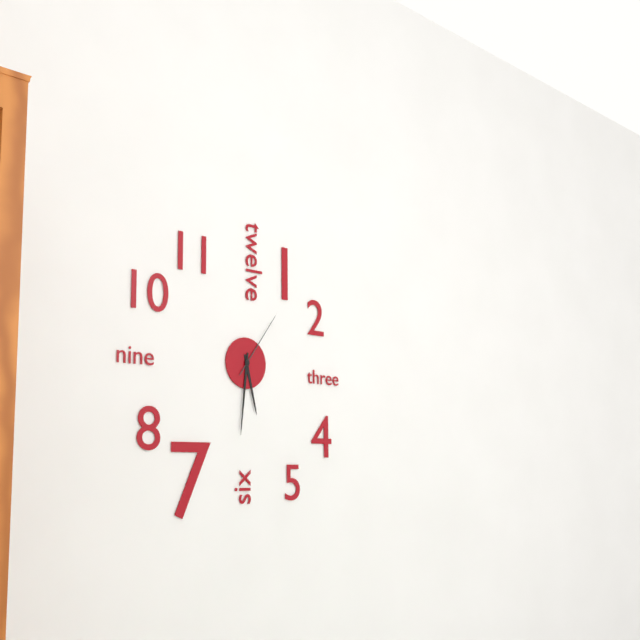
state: 5:31:06
